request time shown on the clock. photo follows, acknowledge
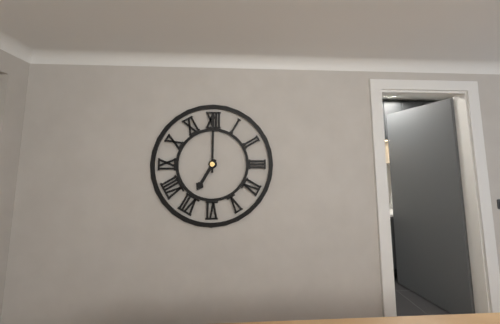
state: 7:00
